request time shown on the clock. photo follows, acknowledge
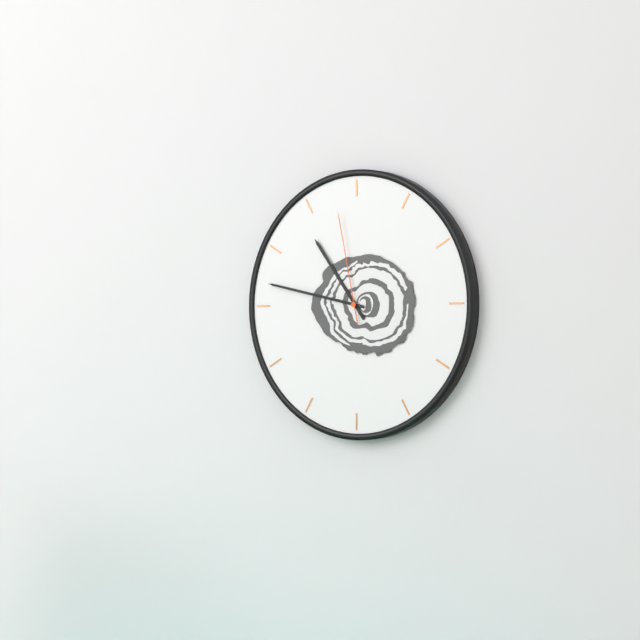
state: 10:47:58
